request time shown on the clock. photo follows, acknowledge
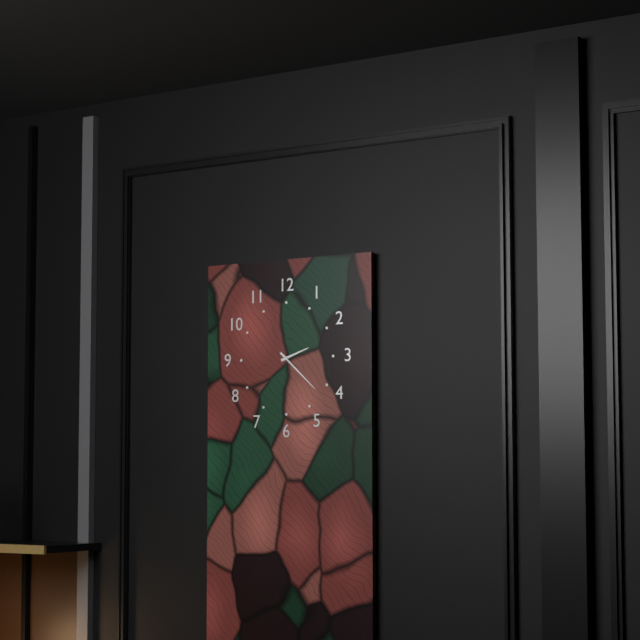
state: 2:22
